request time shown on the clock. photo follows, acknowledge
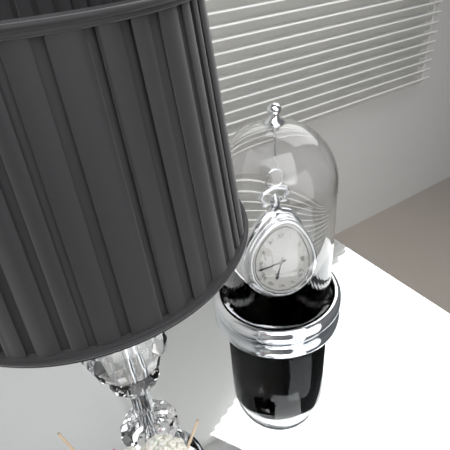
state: 6:43
